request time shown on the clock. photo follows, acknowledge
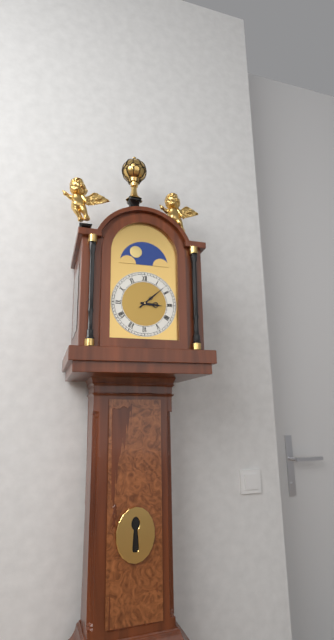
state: 3:08
